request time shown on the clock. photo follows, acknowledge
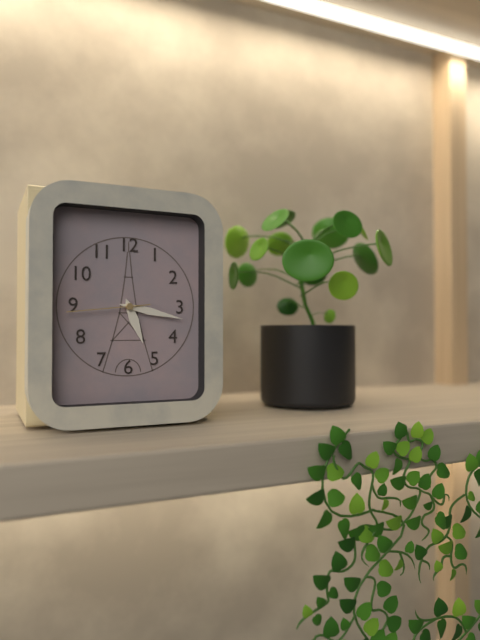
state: 5:17:44
